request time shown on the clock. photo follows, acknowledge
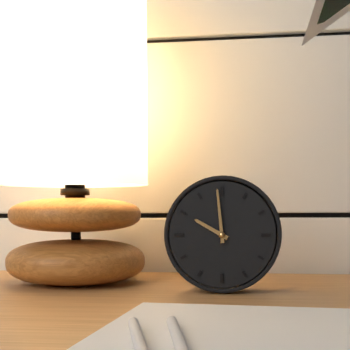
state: 9:59
